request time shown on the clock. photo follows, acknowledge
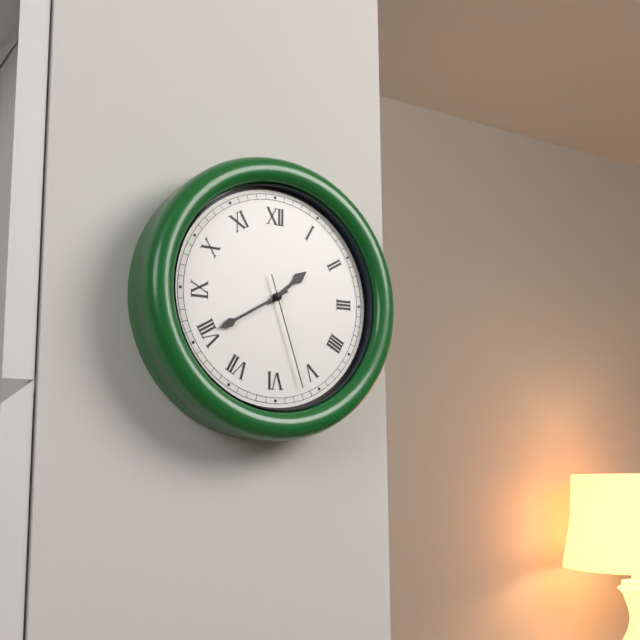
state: 1:40:27
